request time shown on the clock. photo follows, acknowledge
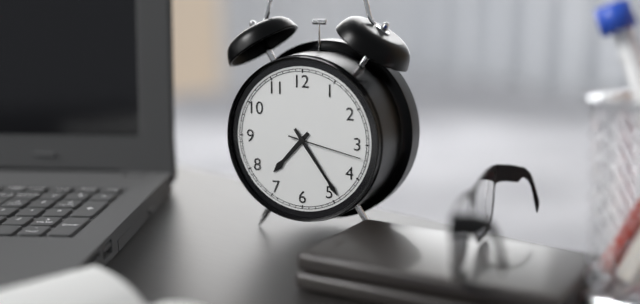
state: 7:24:17
